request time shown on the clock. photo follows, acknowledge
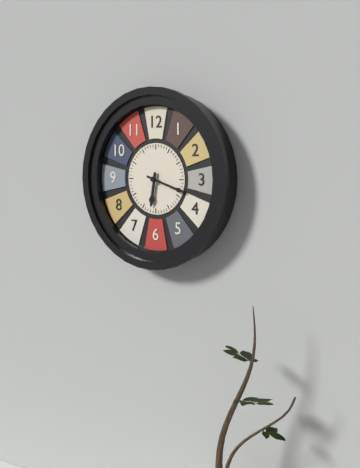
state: 6:18
